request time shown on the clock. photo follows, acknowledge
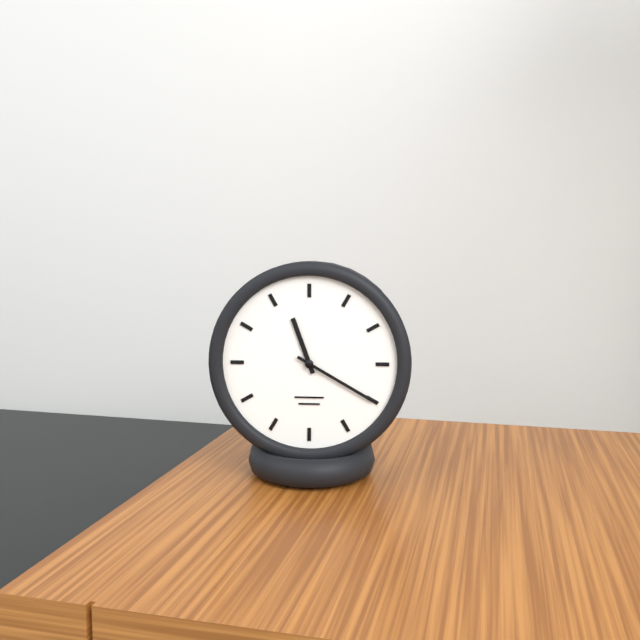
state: 11:20
